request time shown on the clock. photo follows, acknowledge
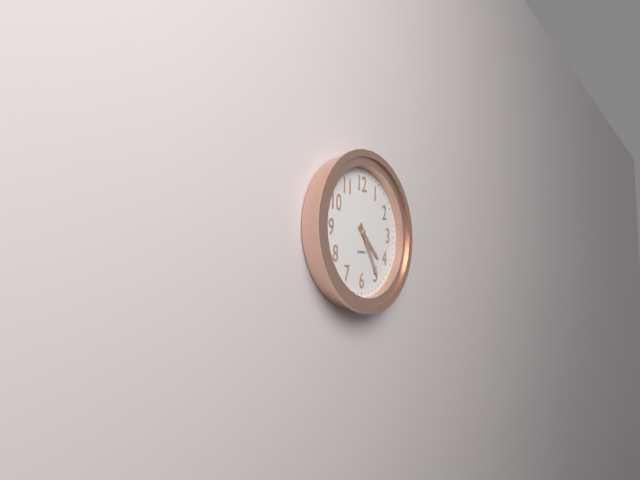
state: 4:25
